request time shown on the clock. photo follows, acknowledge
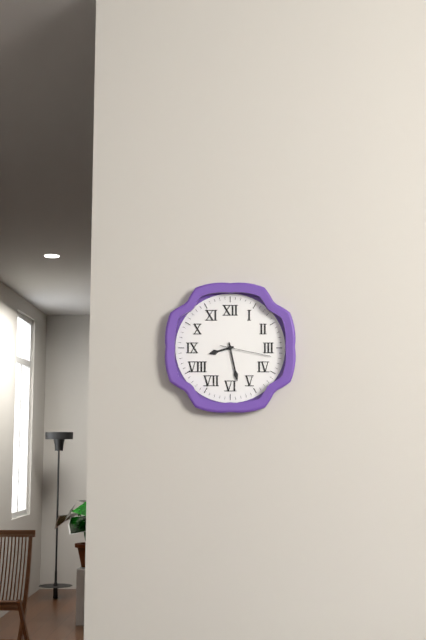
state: 8:28:17
